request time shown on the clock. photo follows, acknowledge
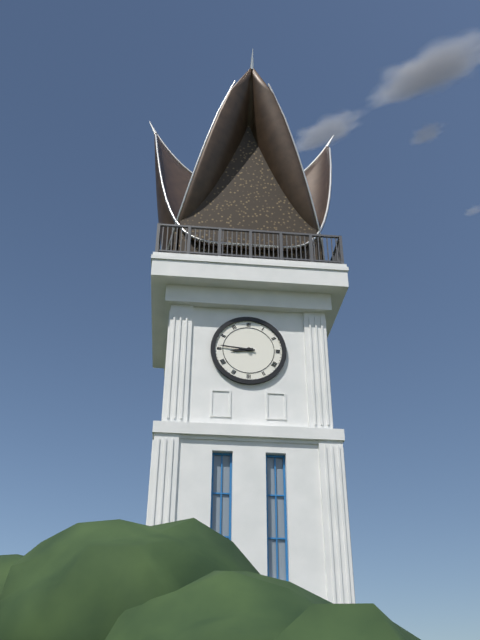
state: 8:46
